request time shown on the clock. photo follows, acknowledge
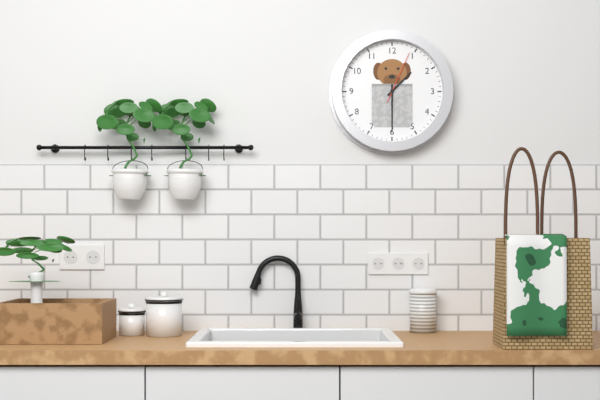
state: 1:30:04
